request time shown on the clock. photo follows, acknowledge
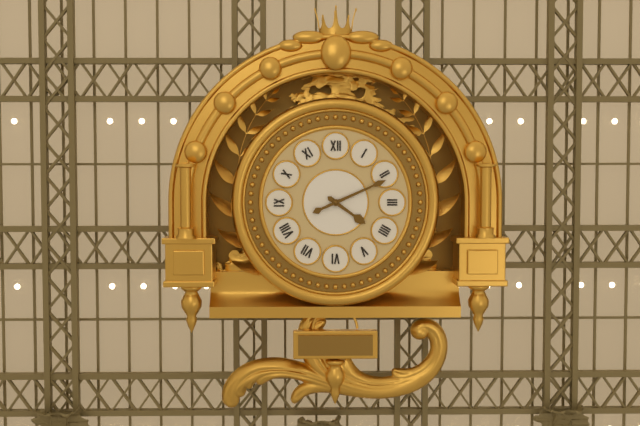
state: 4:11
